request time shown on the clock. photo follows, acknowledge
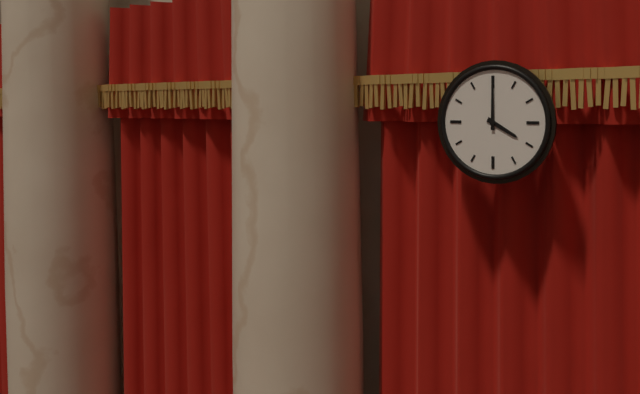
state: 4:00
